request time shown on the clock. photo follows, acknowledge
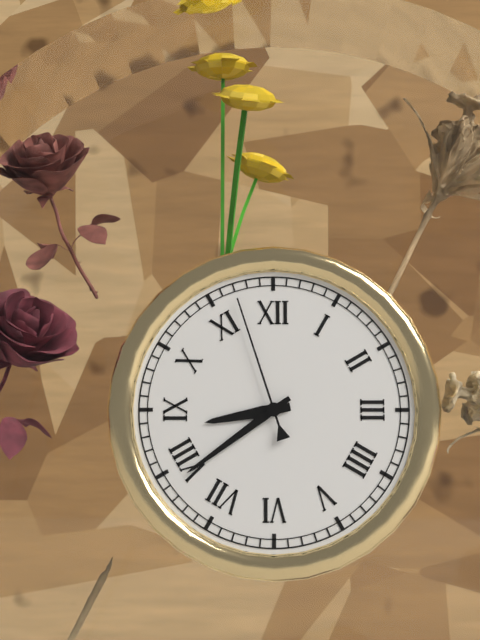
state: 8:39:57
